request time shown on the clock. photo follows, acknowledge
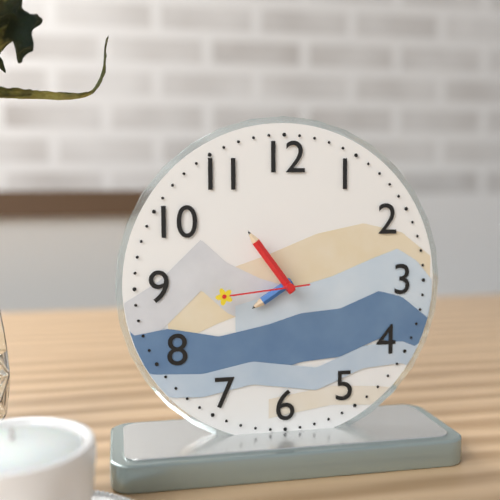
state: 7:54:44
